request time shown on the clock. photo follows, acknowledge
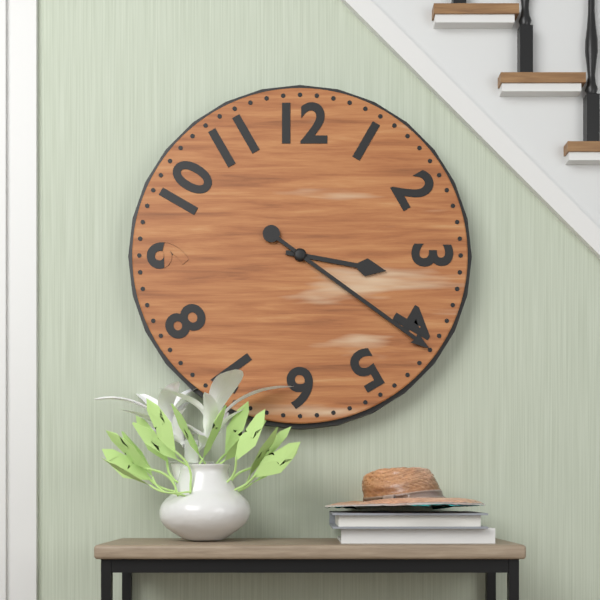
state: 3:21
